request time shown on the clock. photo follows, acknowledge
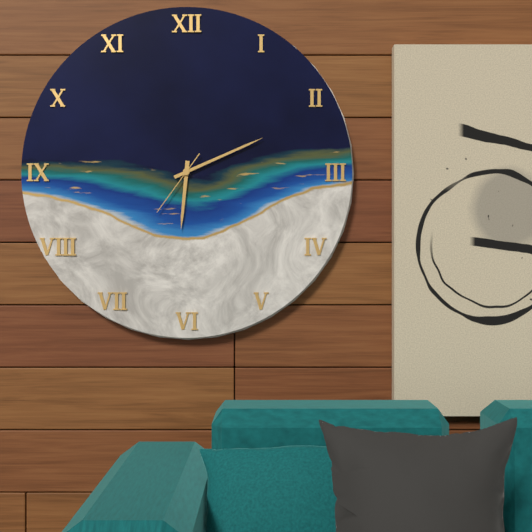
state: 6:11:36
